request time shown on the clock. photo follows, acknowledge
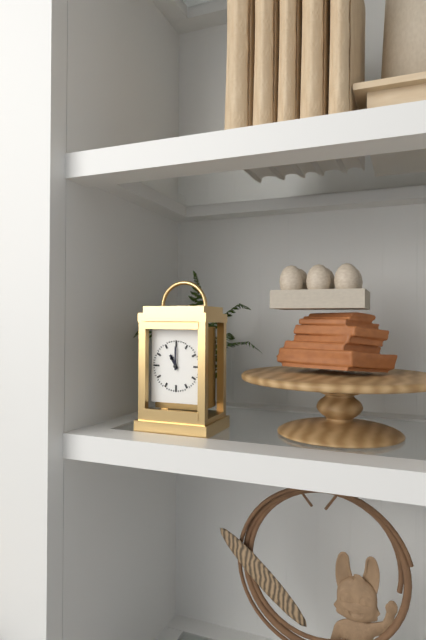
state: 11:00
